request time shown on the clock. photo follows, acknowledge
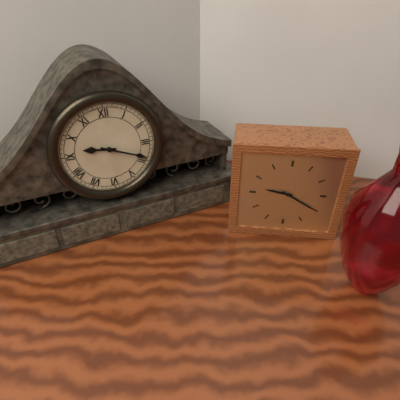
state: 9:19
